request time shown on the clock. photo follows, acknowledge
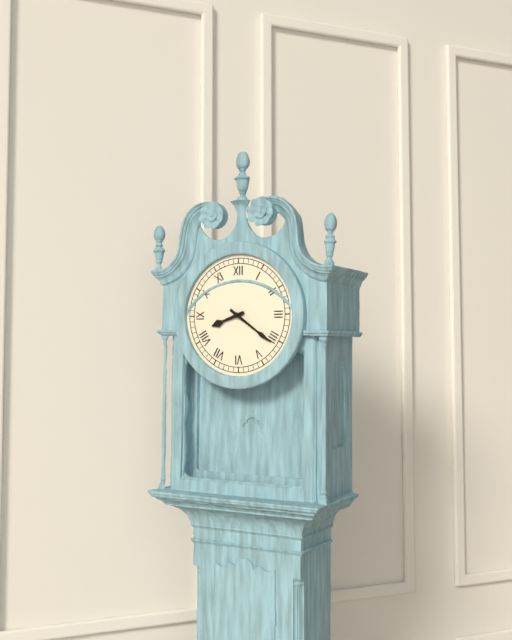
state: 8:21
